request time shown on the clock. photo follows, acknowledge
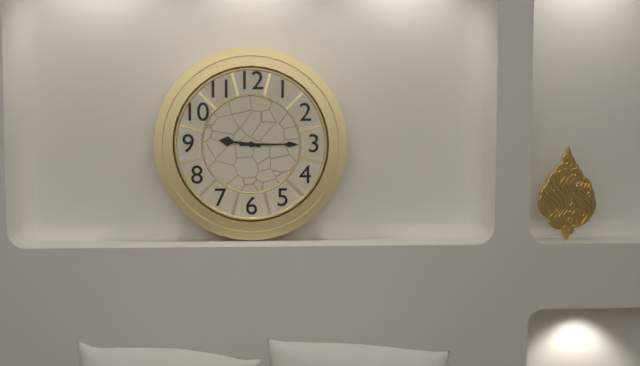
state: 9:15
